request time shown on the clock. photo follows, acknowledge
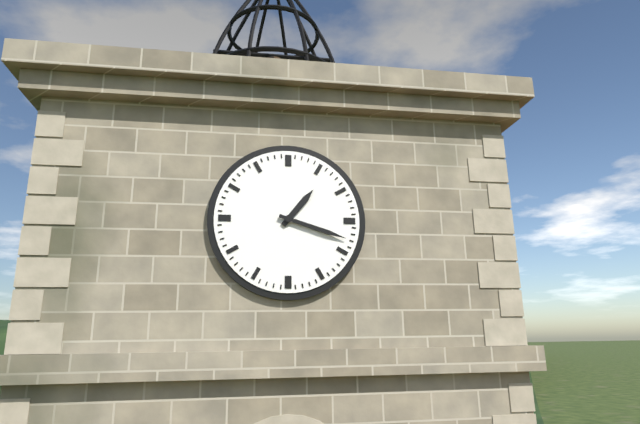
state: 1:18
